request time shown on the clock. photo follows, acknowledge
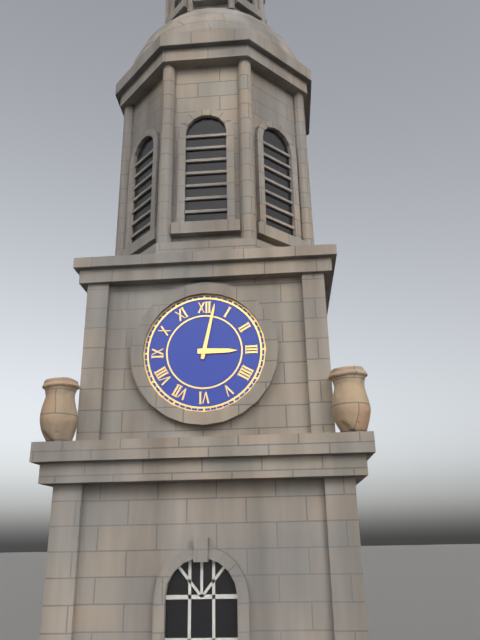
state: 3:02
